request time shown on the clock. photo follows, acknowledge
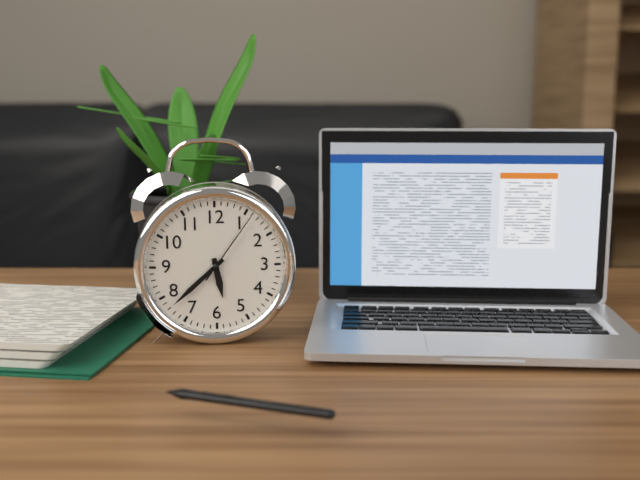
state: 5:38:06
